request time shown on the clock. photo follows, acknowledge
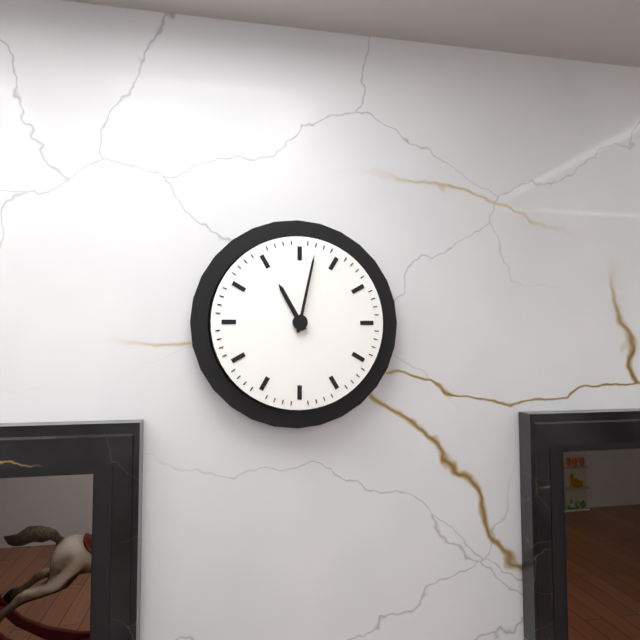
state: 11:02
